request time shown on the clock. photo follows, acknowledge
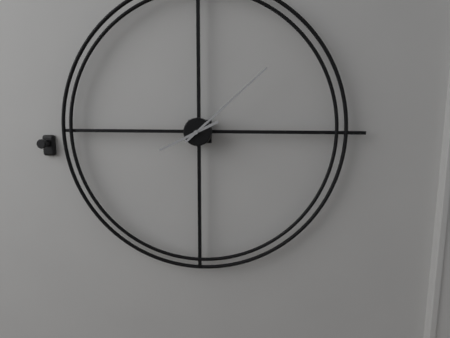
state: 8:08
